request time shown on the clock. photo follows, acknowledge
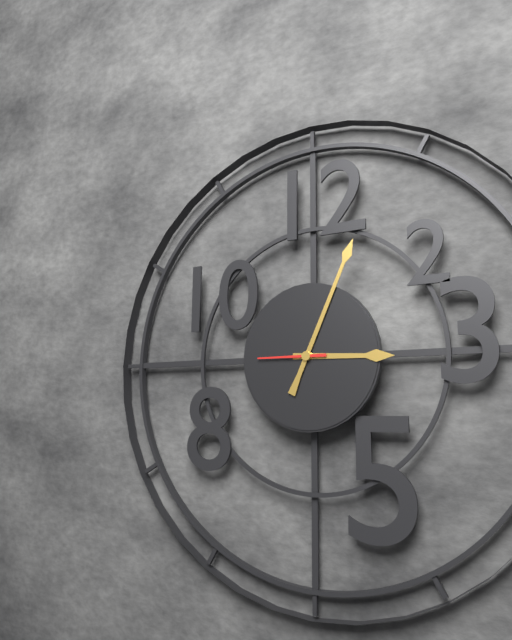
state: 3:04:45
